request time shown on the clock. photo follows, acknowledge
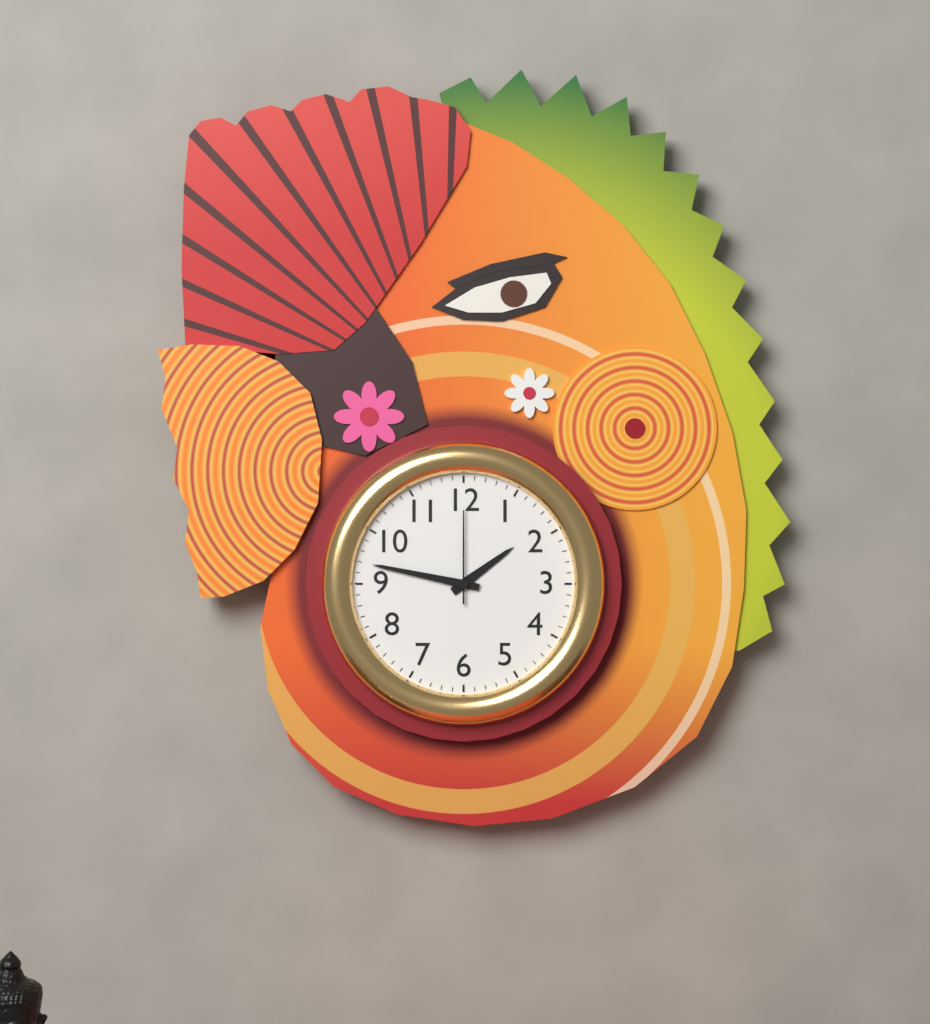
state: 1:47:00
